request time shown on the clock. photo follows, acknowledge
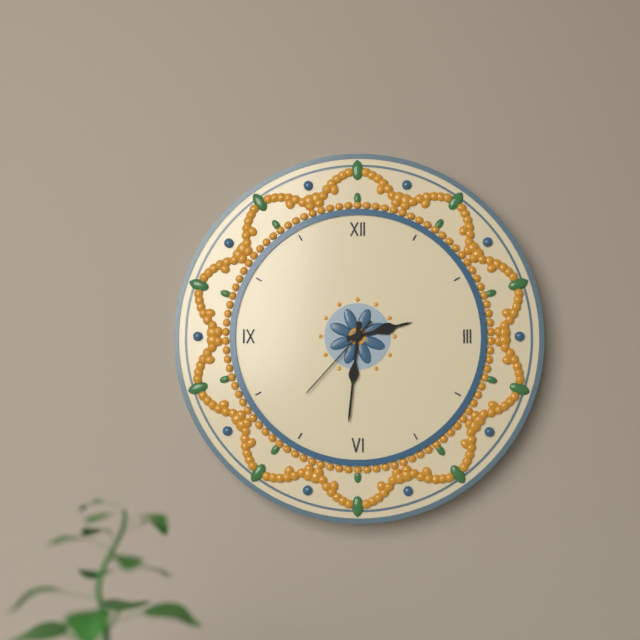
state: 2:31:37
